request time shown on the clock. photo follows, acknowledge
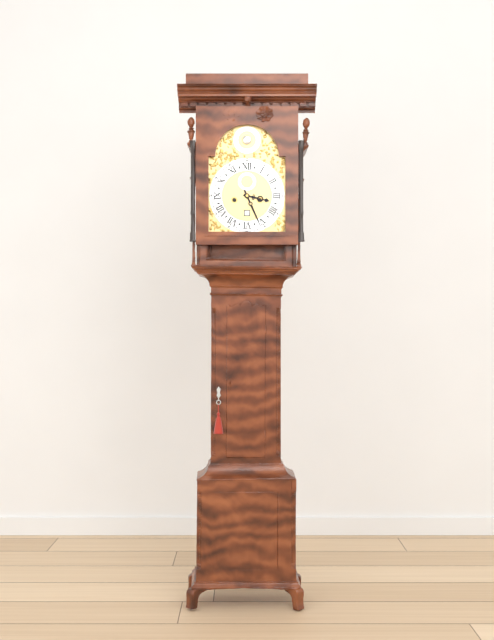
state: 3:26
